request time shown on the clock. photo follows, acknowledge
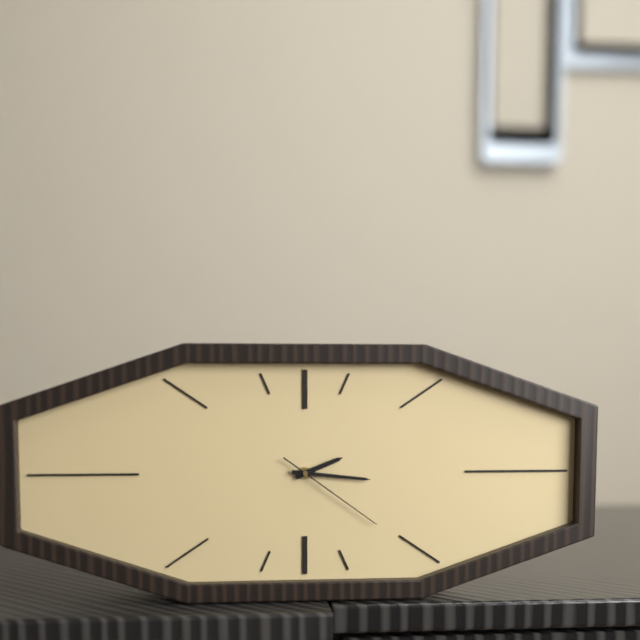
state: 2:16:21
